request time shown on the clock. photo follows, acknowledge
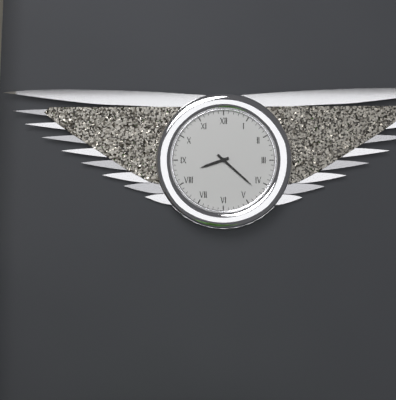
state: 8:22
